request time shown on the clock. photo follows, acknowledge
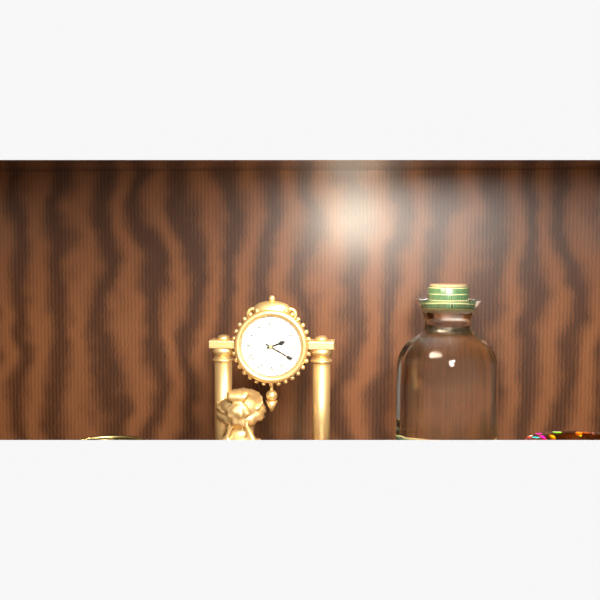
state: 2:20
